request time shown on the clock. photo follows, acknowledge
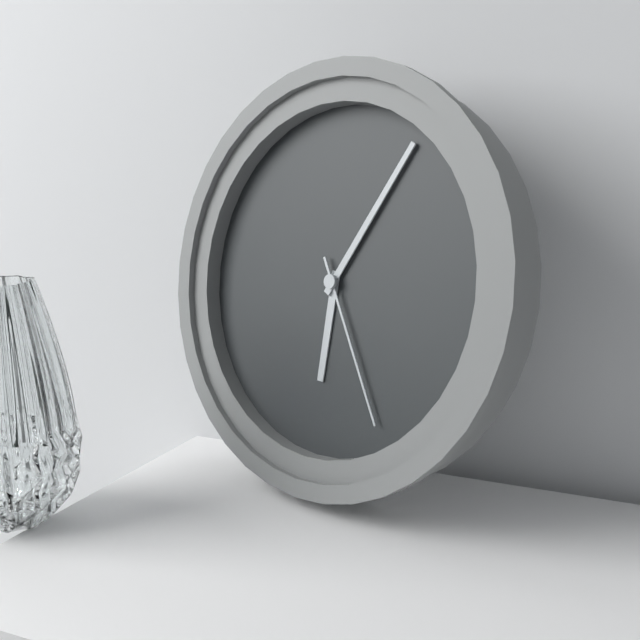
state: 6:05:25
